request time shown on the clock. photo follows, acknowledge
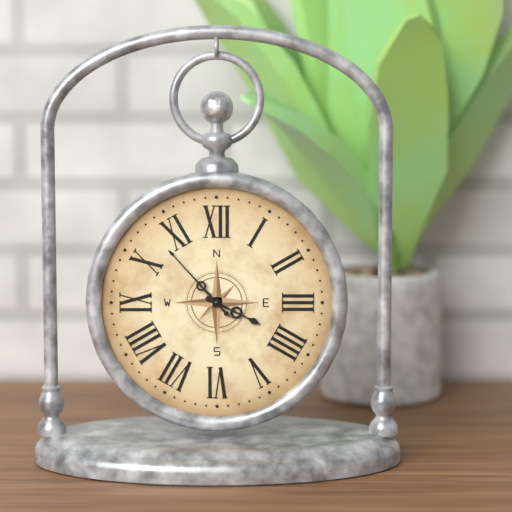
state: 3:53
